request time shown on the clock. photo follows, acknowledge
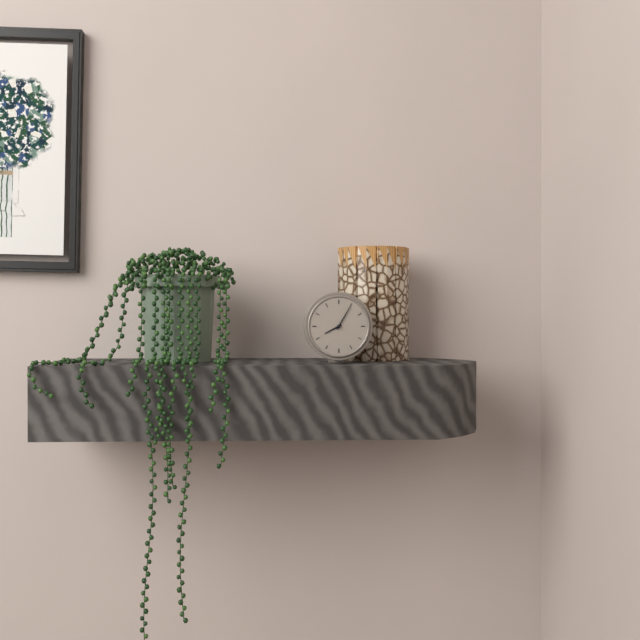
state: 8:05
